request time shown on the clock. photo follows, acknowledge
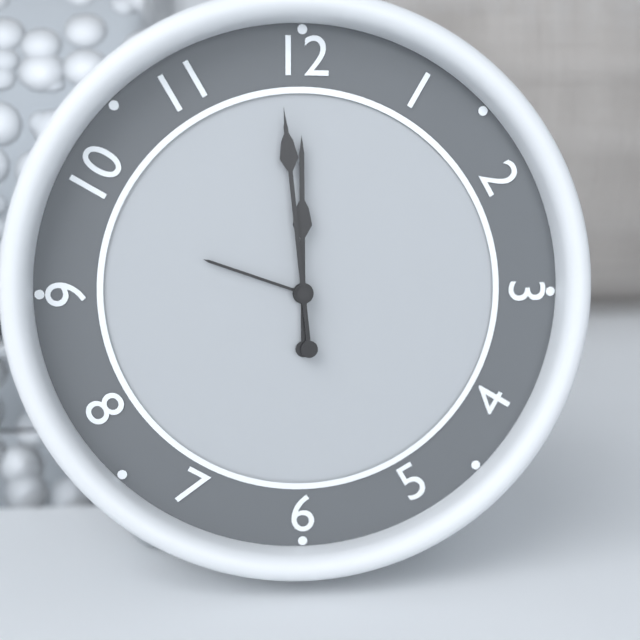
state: 11:59
